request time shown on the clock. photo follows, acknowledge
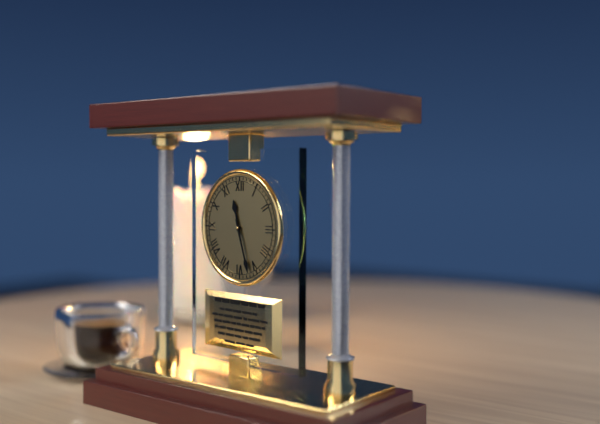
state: 11:27
